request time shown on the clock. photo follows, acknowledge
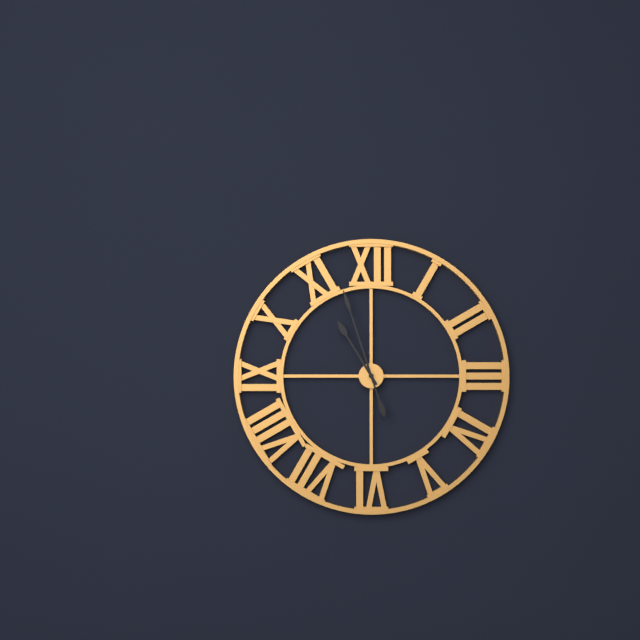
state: 10:57
